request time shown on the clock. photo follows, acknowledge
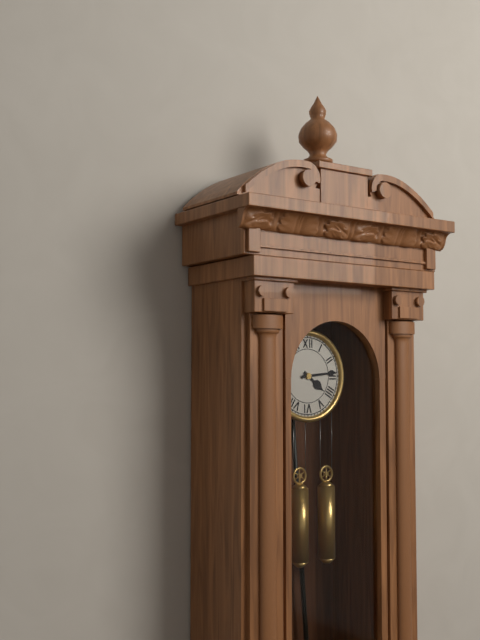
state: 4:14
